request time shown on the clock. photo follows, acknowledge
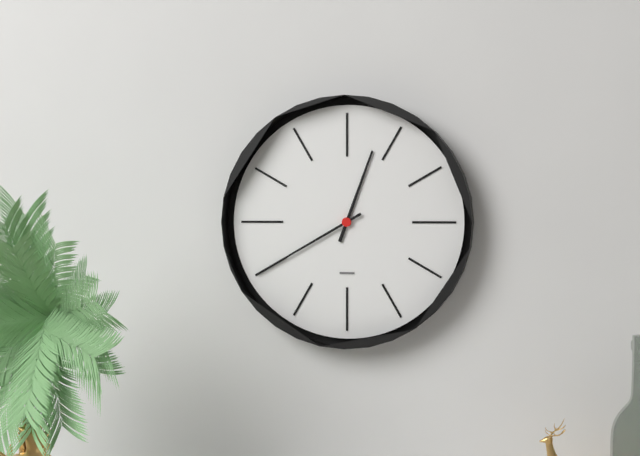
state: 12:40
